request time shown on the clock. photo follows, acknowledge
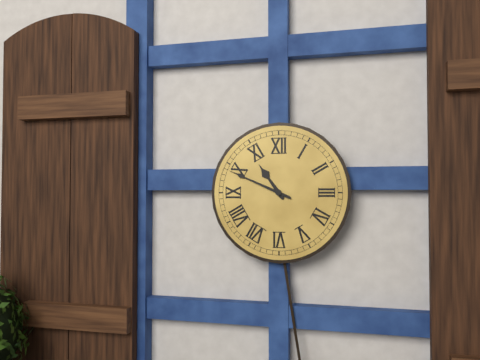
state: 10:49
